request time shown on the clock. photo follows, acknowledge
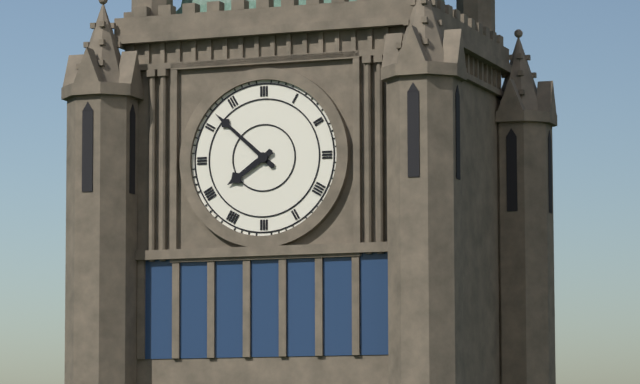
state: 7:52
